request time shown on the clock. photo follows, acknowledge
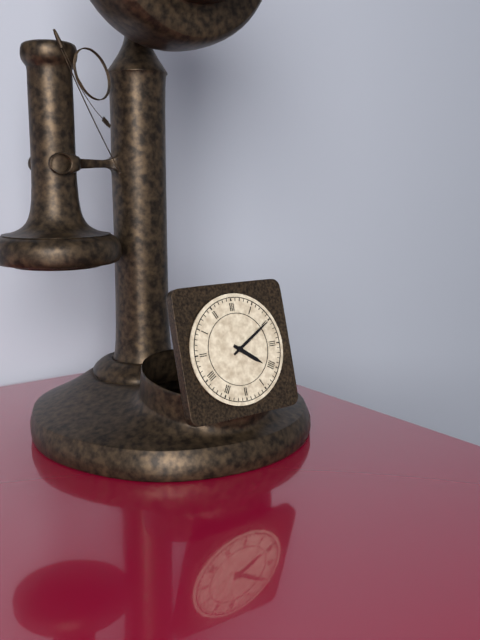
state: 4:10
